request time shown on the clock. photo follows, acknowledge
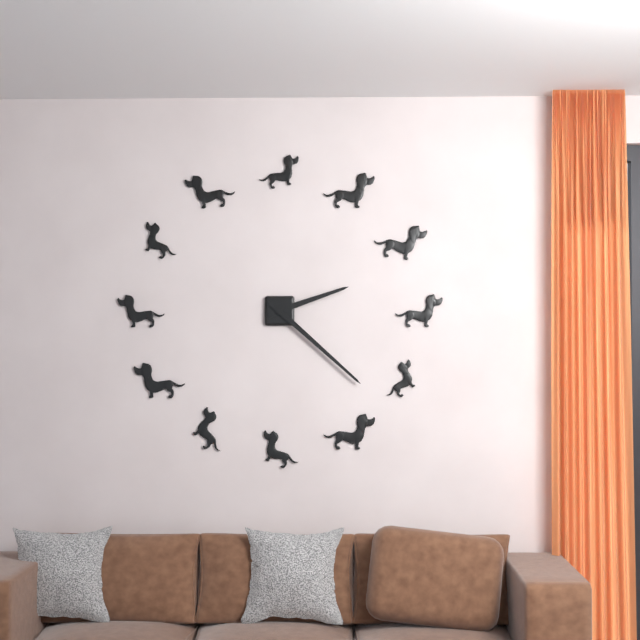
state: 2:22
